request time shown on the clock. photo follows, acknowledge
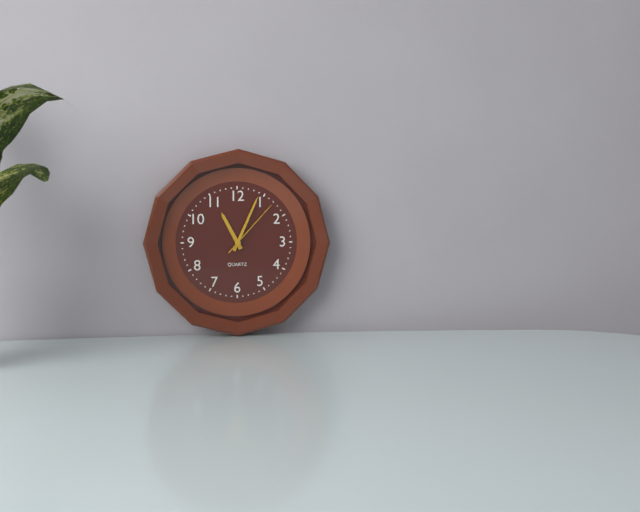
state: 11:04:07
